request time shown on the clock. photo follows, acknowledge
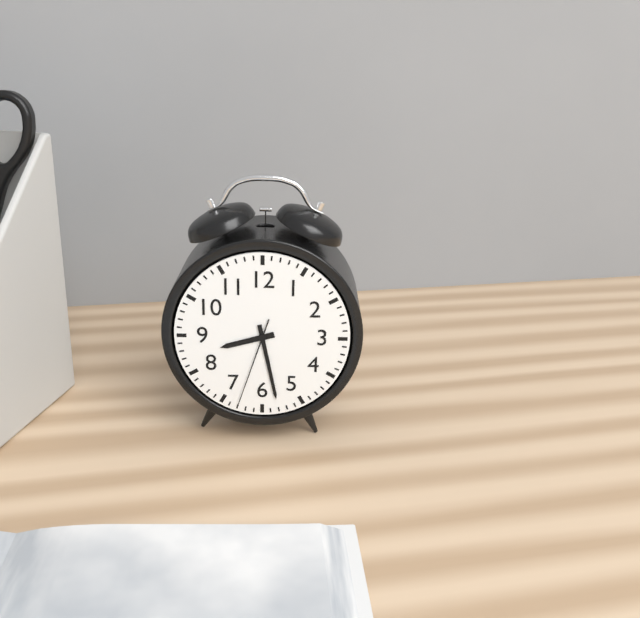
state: 8:28:33
